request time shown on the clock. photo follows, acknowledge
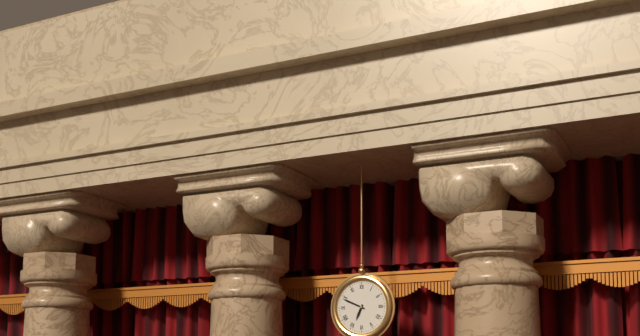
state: 6:49
